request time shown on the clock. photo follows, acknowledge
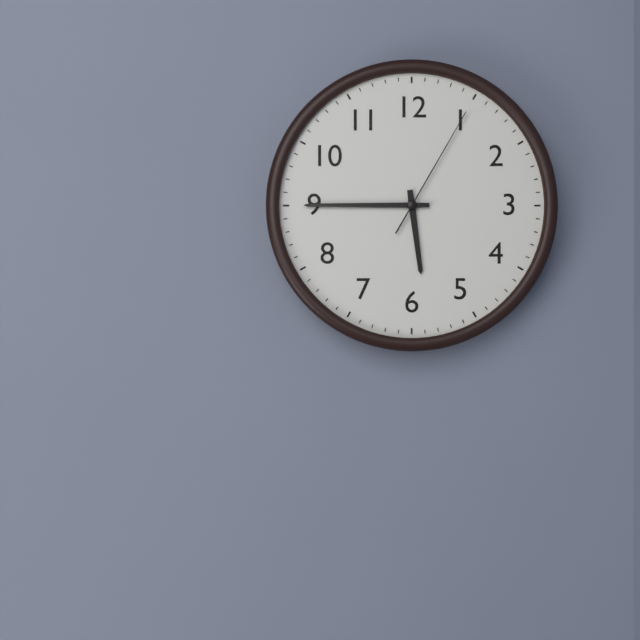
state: 5:45:05
